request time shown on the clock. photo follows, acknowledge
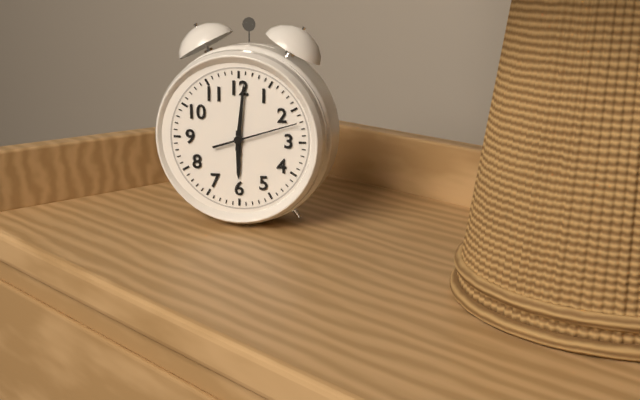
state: 6:01:12
